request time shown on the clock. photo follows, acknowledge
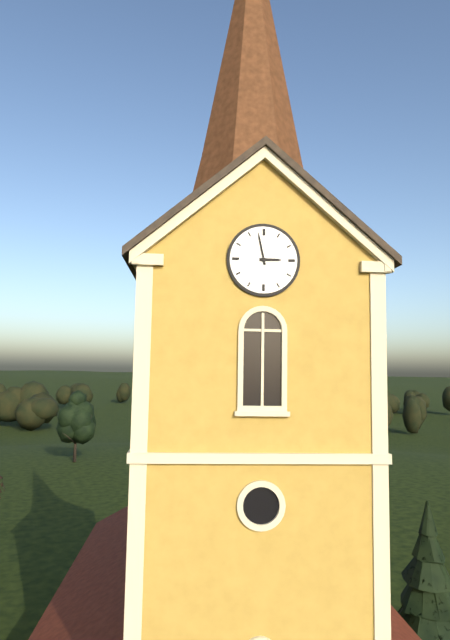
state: 2:58
